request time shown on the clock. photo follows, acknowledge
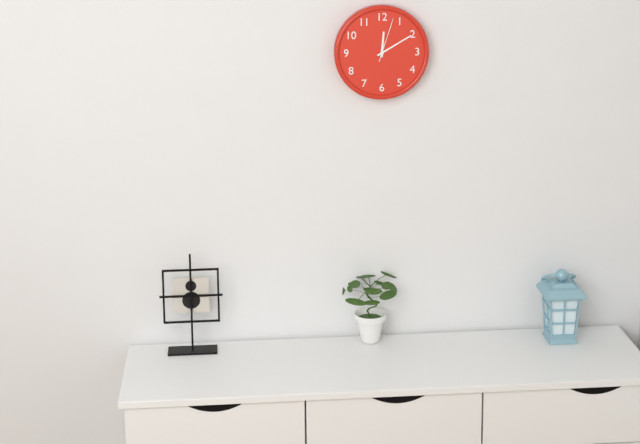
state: 12:10
